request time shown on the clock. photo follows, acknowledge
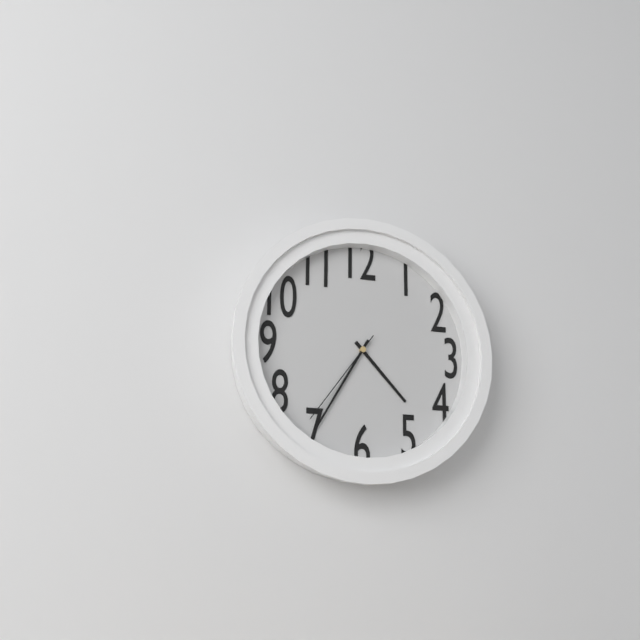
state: 4:35:36
